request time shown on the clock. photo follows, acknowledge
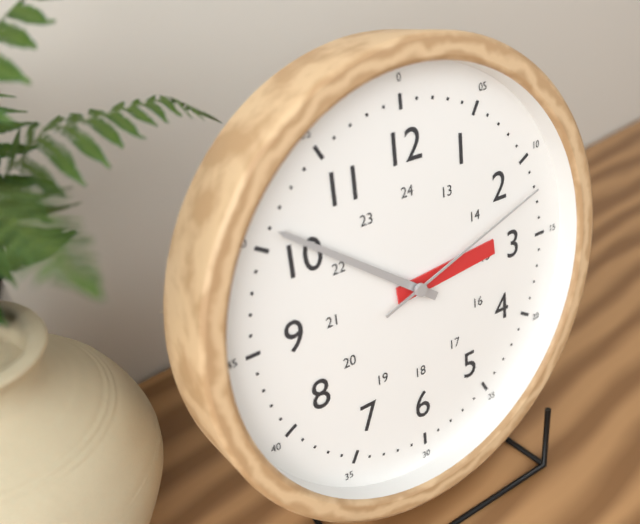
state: 2:51:12
